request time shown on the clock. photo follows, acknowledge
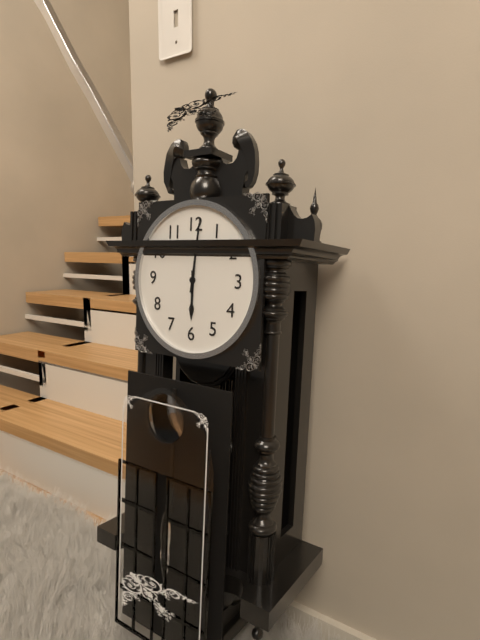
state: 6:01
